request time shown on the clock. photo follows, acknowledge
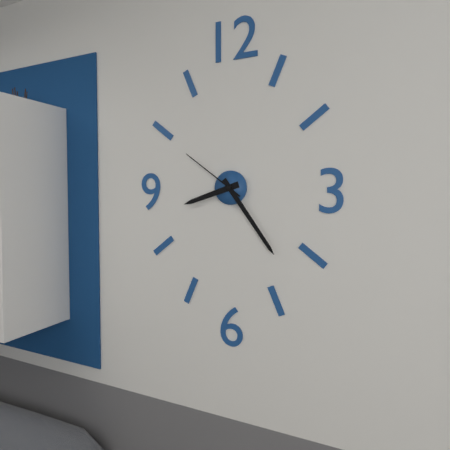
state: 8:24:51
